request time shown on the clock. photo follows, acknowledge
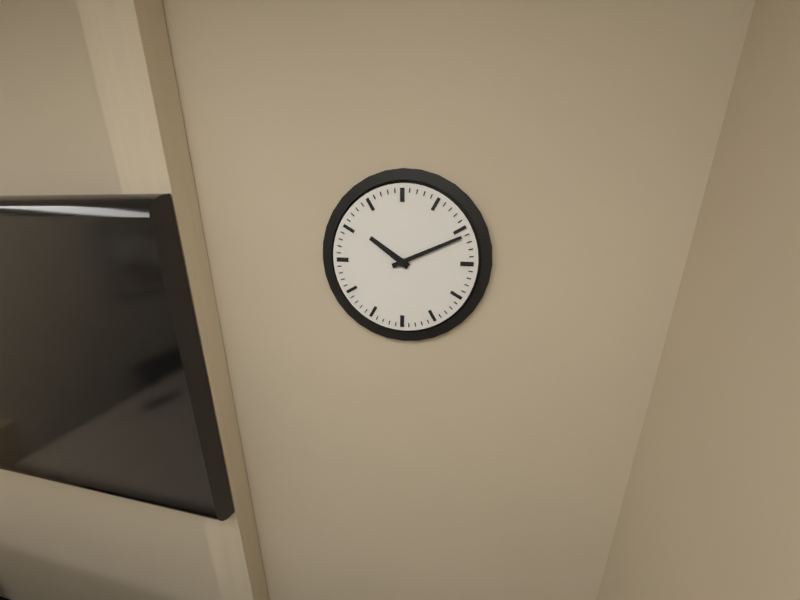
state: 10:11
